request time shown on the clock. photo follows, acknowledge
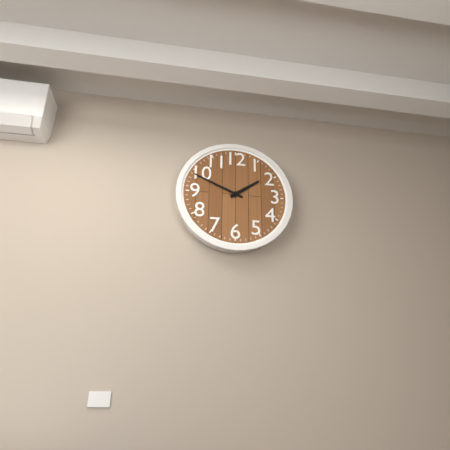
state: 1:49
